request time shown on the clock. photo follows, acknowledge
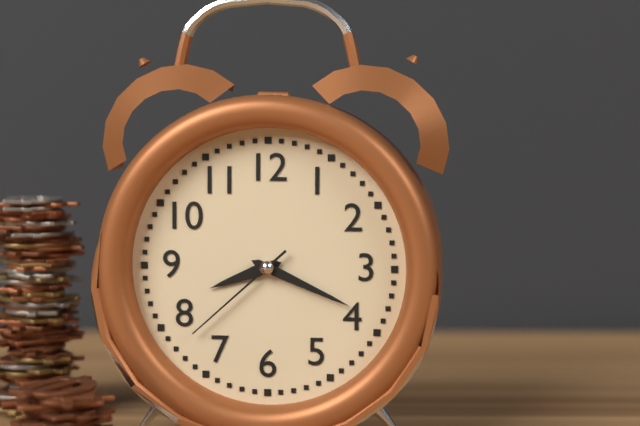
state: 8:19:38
